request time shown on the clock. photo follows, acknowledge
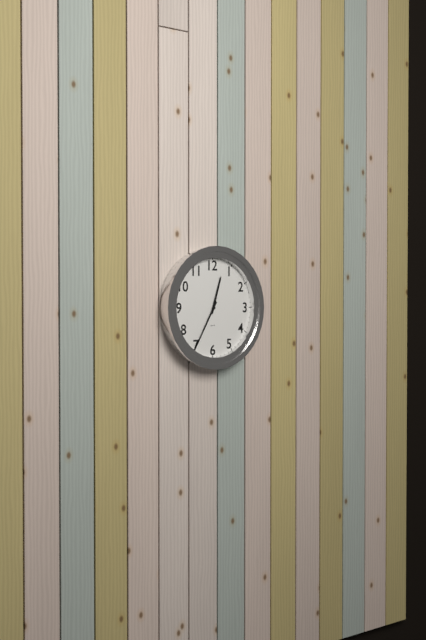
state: 12:35
